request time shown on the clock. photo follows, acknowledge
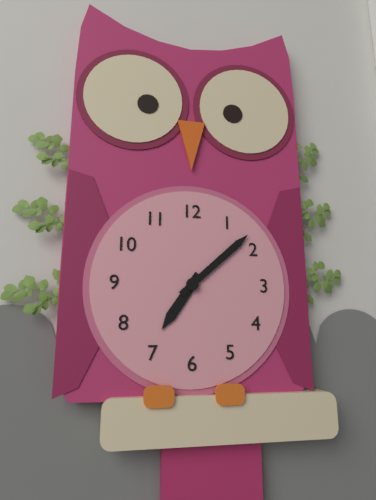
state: 7:08
